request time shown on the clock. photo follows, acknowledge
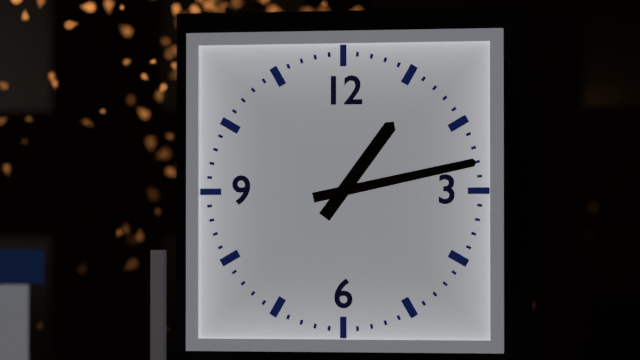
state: 1:13
